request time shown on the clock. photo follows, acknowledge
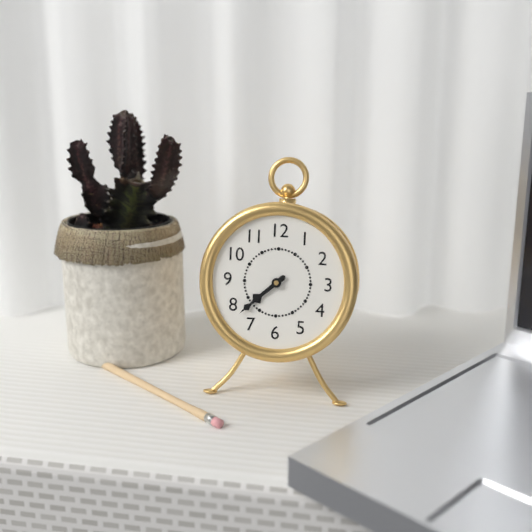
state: 7:38
